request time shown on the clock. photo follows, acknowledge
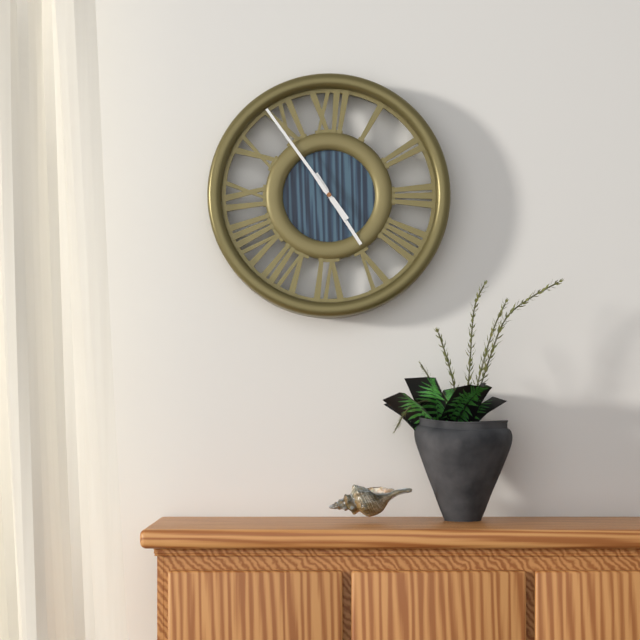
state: 4:54
